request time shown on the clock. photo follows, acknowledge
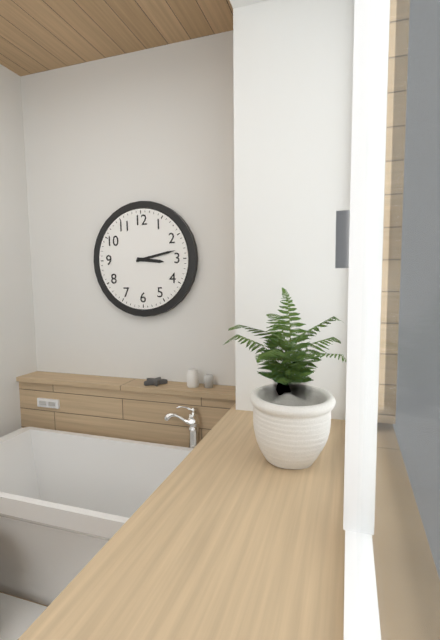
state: 3:13
